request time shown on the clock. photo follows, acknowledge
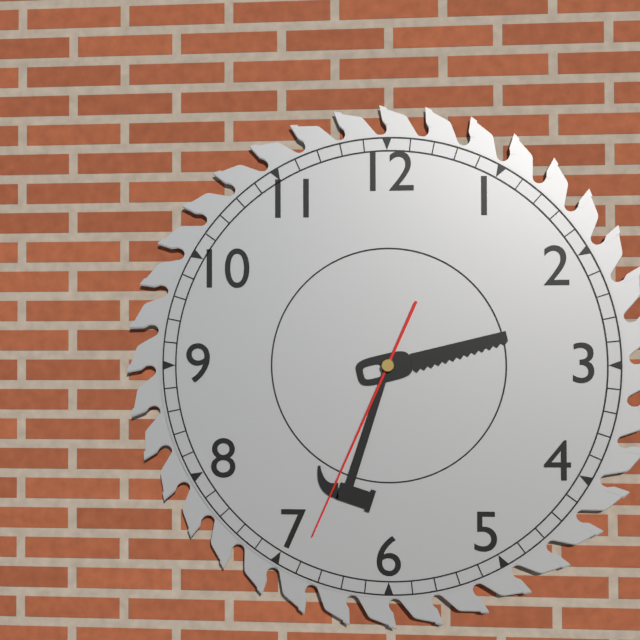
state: 2:33:34
